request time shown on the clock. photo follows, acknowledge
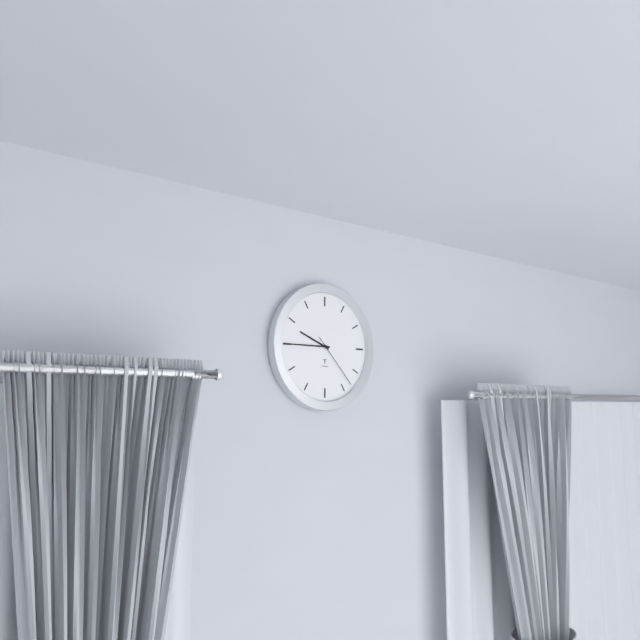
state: 9:45:23
